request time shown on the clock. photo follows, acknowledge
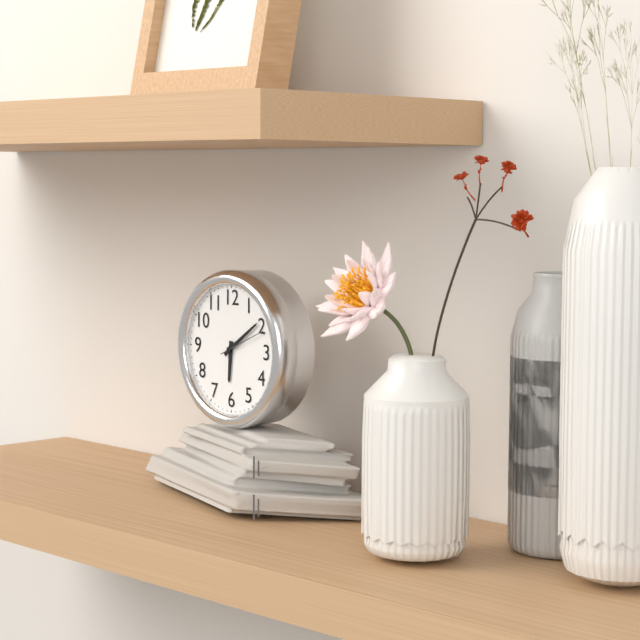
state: 6:09
